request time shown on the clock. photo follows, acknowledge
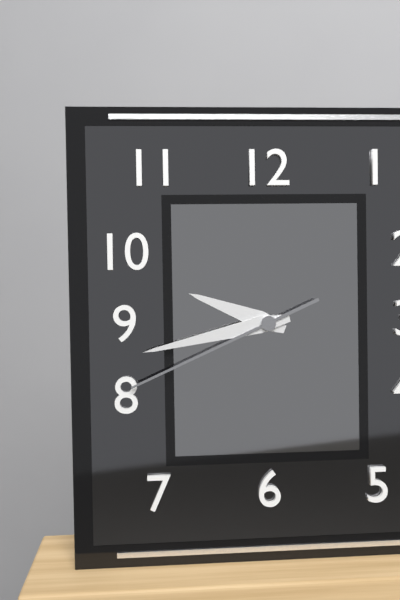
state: 9:43:41
